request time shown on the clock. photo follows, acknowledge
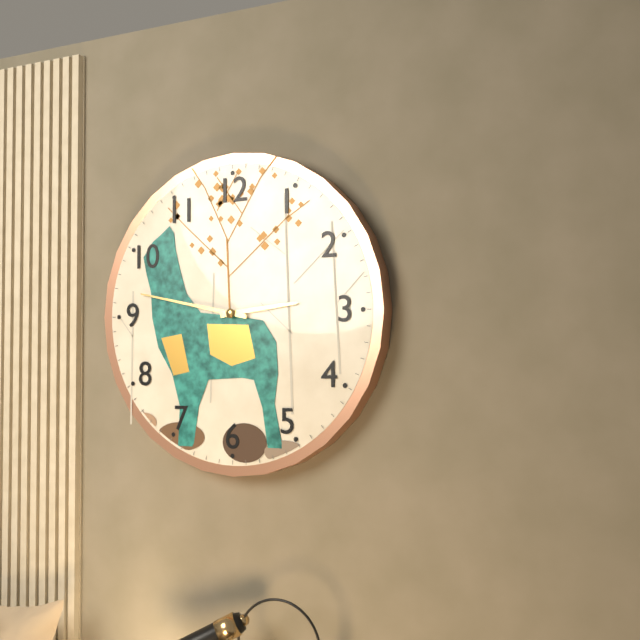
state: 2:47
